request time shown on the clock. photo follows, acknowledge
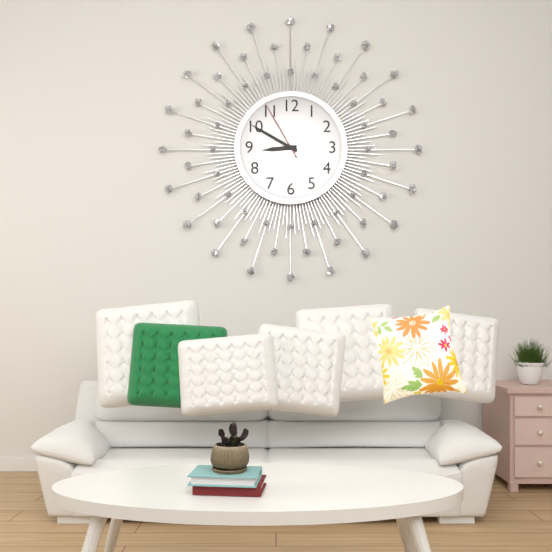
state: 8:50:55
